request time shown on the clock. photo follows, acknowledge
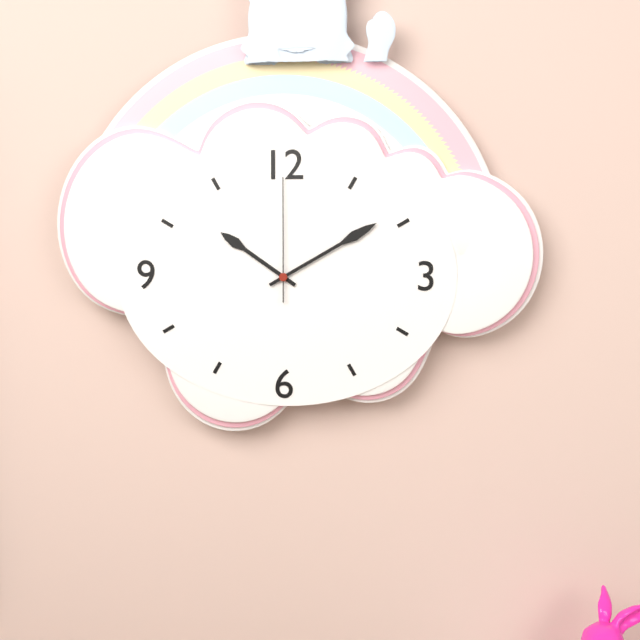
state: 10:10:00
